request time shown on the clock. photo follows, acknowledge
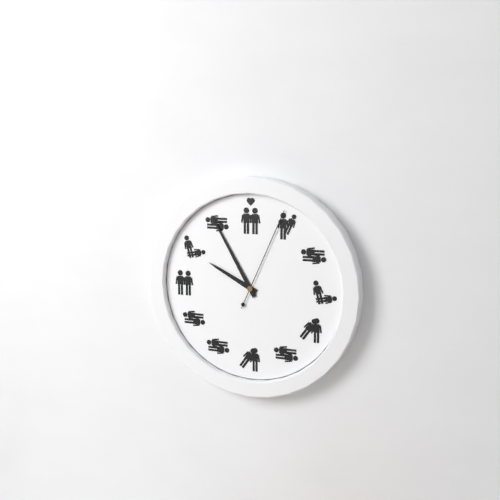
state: 9:55:04
